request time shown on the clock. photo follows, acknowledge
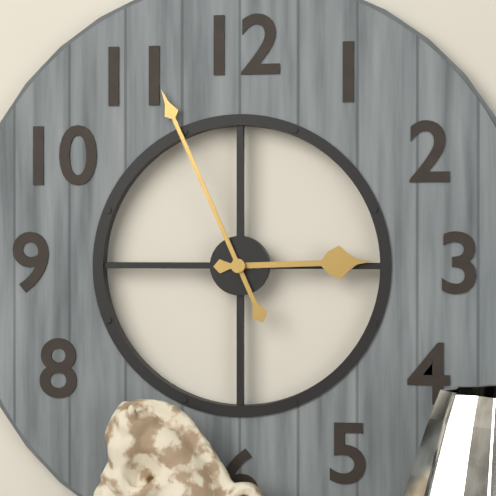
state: 2:56
